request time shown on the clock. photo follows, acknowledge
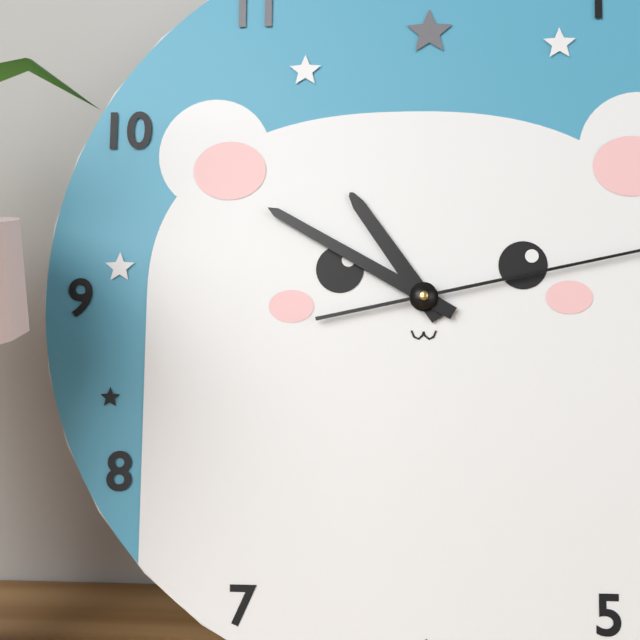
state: 10:50
